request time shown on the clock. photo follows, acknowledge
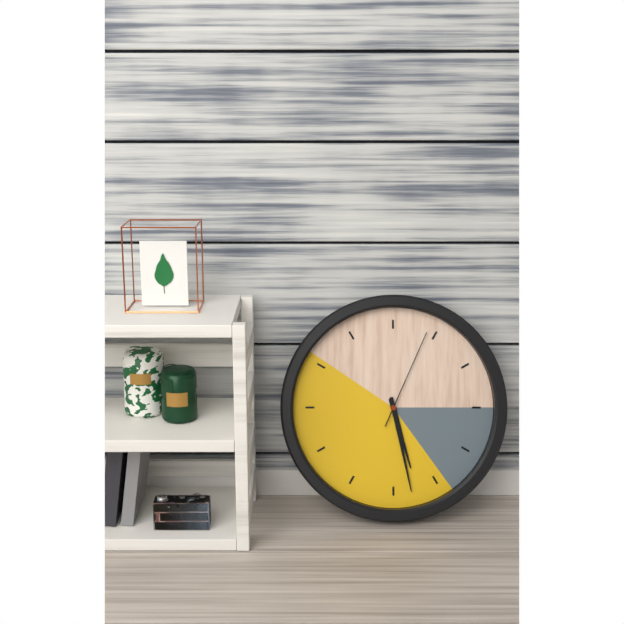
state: 5:28:04
